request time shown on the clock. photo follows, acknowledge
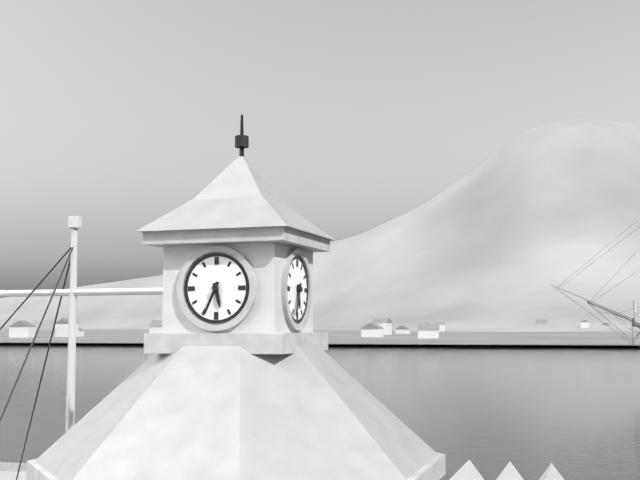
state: 5:34
